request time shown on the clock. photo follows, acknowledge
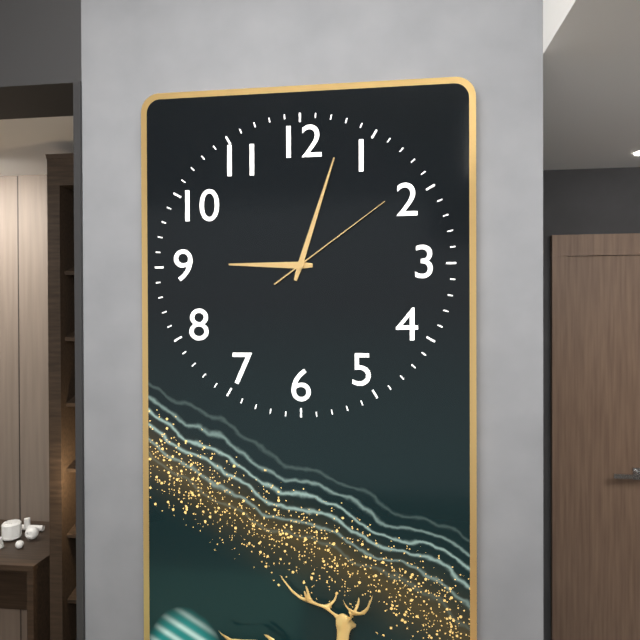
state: 9:03:09
